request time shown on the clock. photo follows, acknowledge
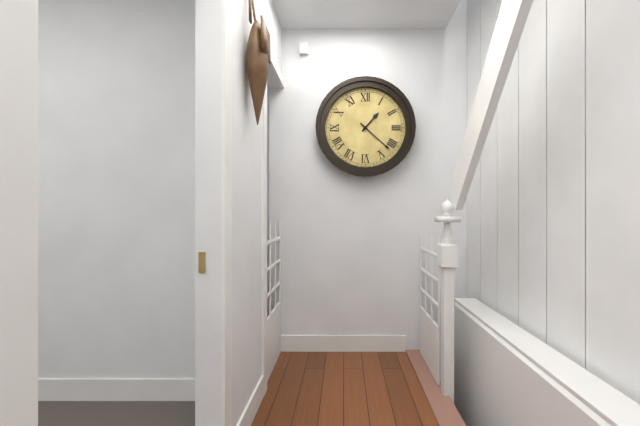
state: 1:22
